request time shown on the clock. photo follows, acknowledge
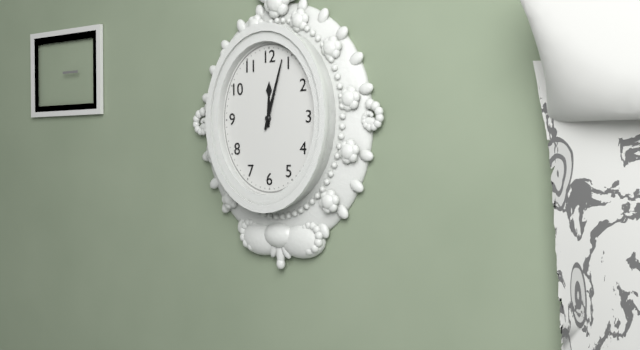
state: 12:03
